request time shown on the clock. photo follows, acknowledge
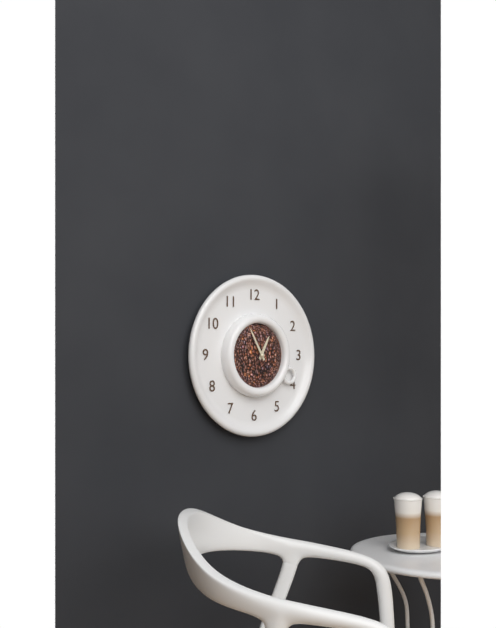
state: 12:55
